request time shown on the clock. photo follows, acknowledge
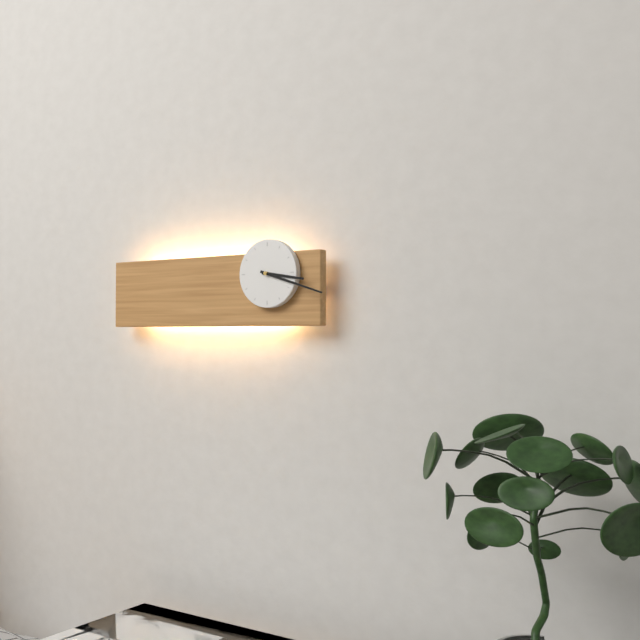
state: 3:18
